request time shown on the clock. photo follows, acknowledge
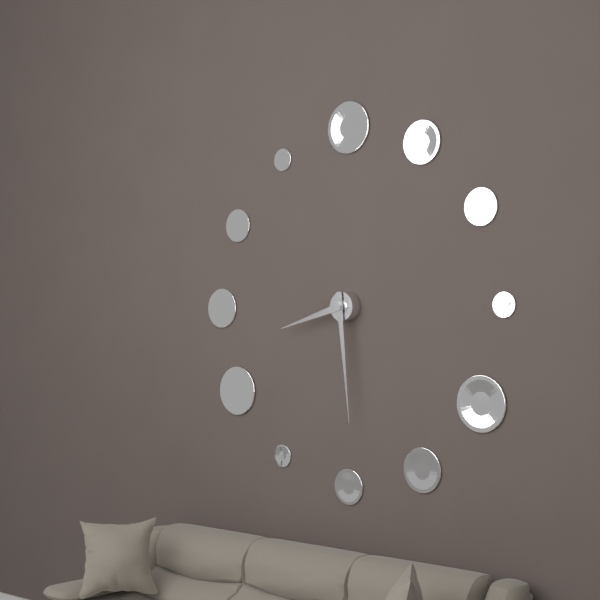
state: 8:29
